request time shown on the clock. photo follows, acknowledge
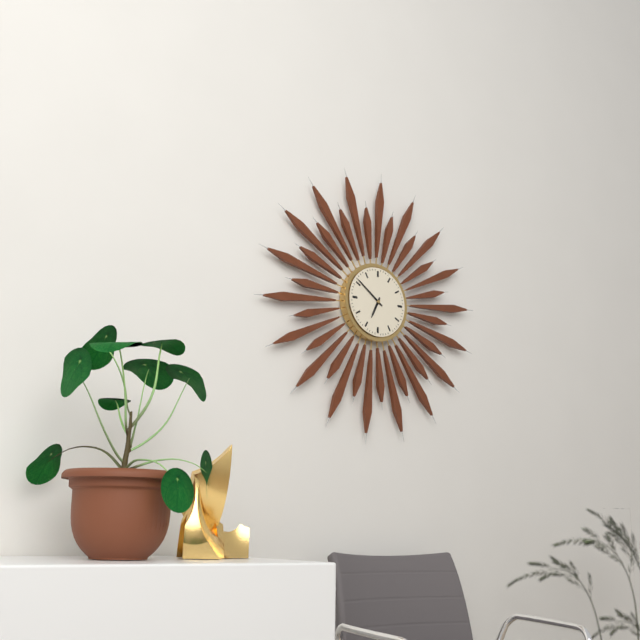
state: 6:51
